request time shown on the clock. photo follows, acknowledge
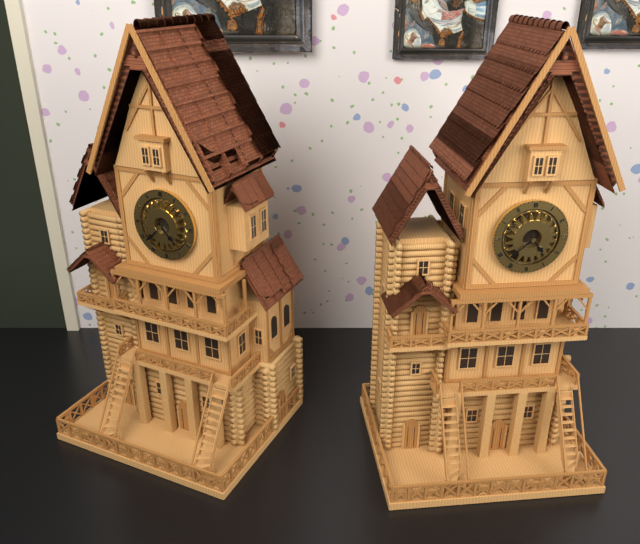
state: 4:38
